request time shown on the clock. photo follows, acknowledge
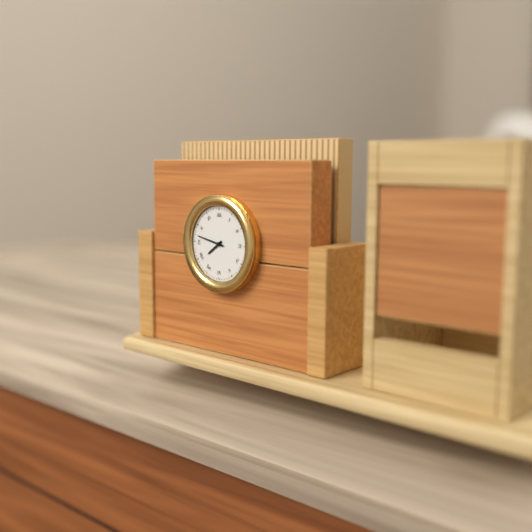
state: 7:47
